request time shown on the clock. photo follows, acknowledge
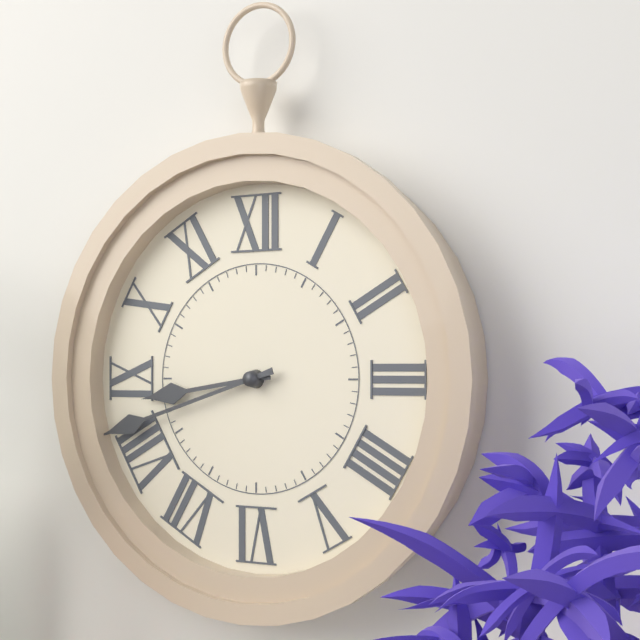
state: 8:42
